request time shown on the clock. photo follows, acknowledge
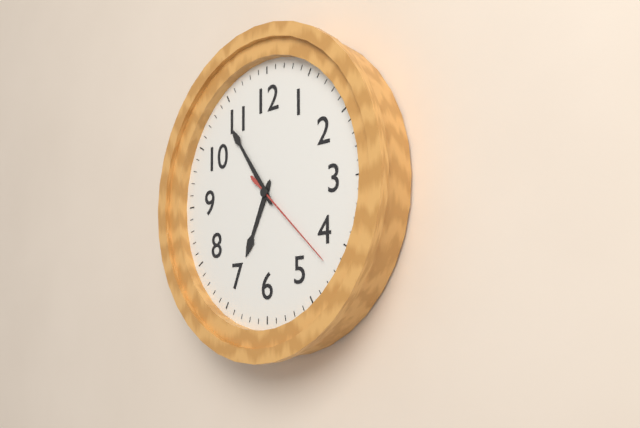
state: 6:54:22
